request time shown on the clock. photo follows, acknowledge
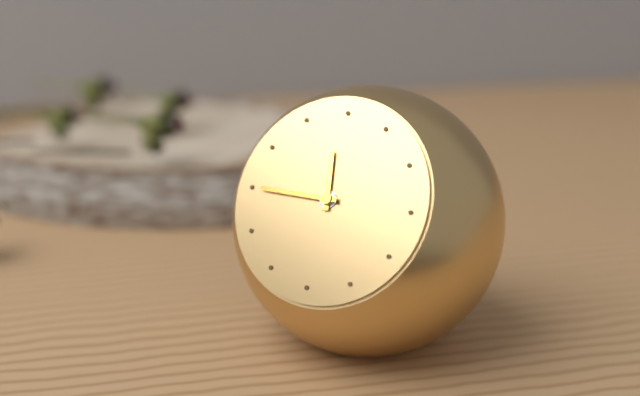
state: 11:45
